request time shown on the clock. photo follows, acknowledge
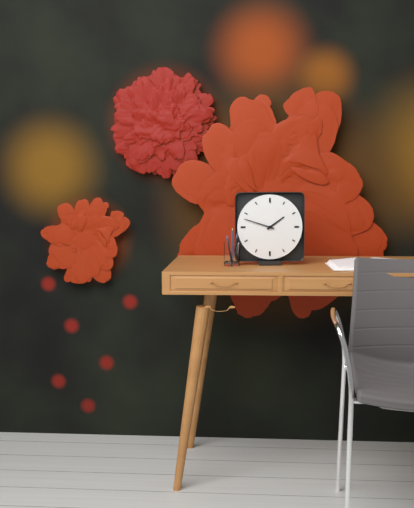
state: 1:48
